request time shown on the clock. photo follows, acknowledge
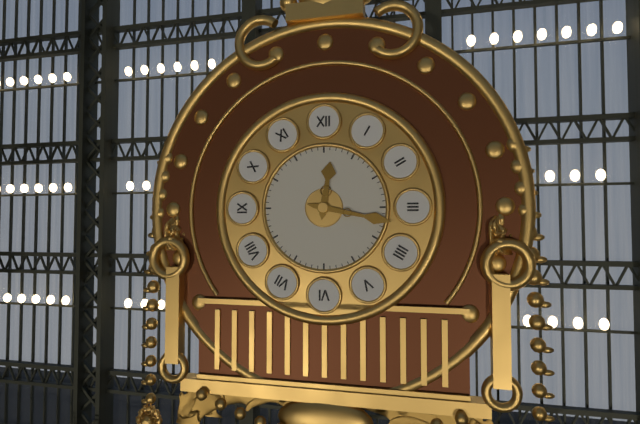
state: 12:17
